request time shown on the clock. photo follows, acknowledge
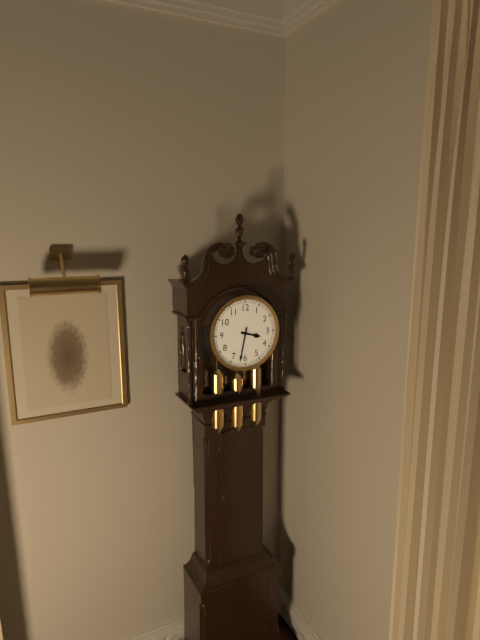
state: 3:32
